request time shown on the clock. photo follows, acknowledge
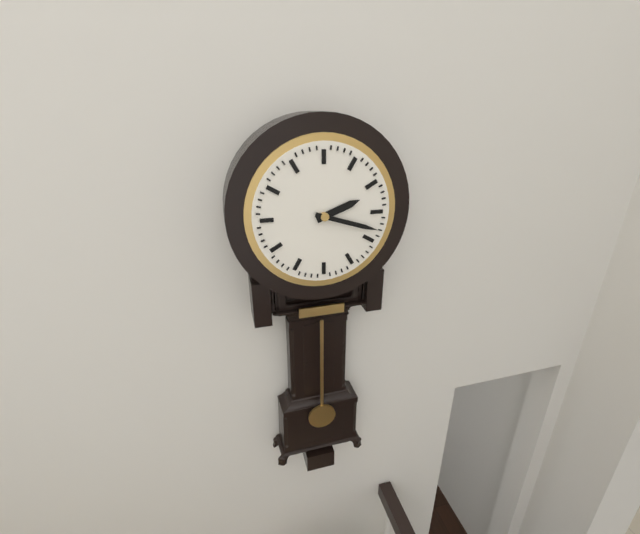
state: 2:18
